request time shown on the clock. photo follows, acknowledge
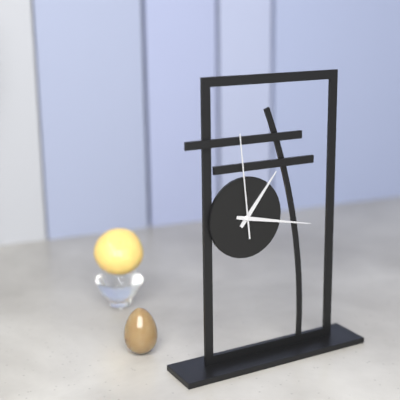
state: 1:17:59
